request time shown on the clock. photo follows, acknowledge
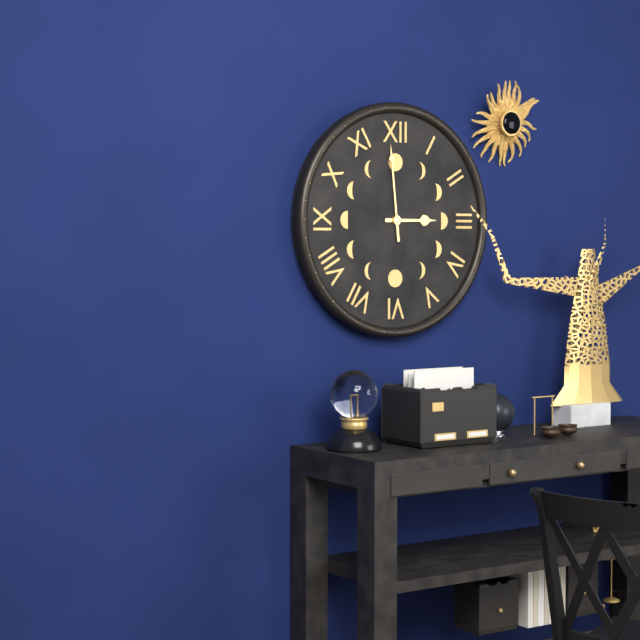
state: 2:59
